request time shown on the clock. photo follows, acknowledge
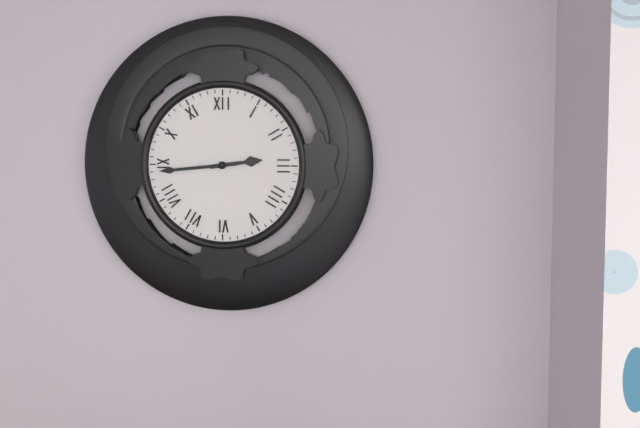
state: 2:44
